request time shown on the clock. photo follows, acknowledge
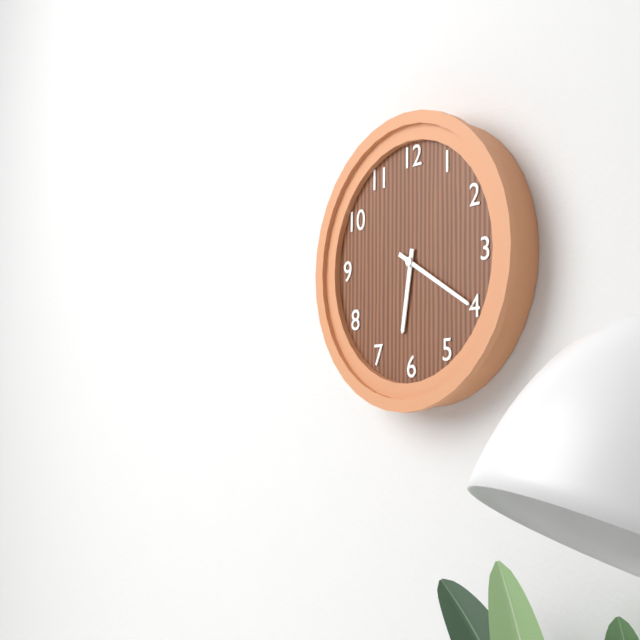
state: 6:20
